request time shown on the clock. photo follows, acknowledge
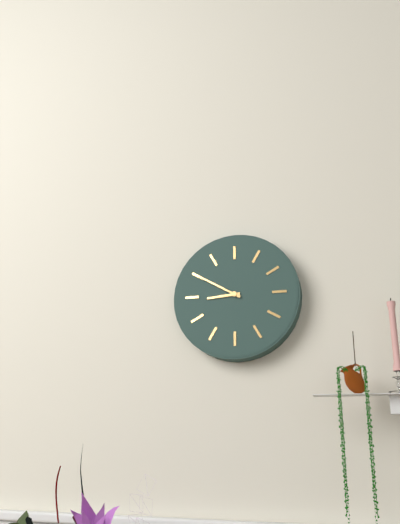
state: 8:50
